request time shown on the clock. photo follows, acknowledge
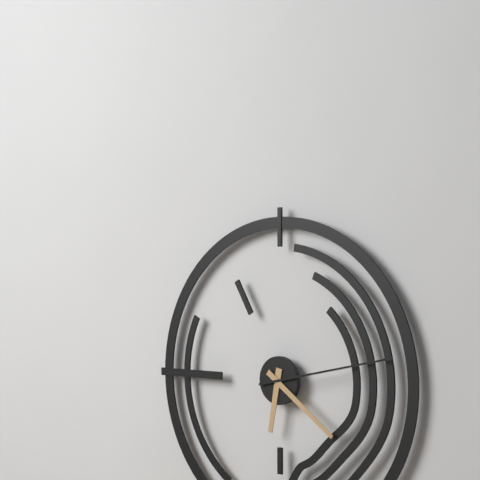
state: 6:21:13
